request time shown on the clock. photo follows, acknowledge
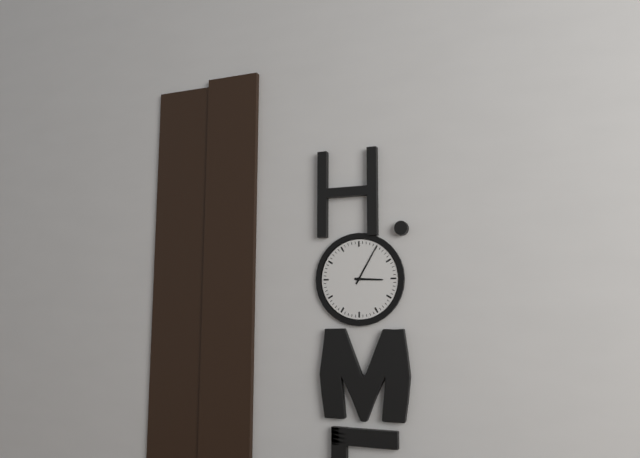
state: 3:05
